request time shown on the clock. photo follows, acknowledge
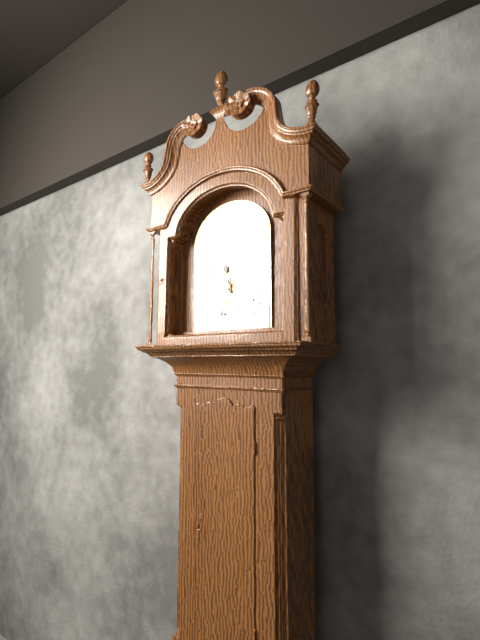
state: 11:33
